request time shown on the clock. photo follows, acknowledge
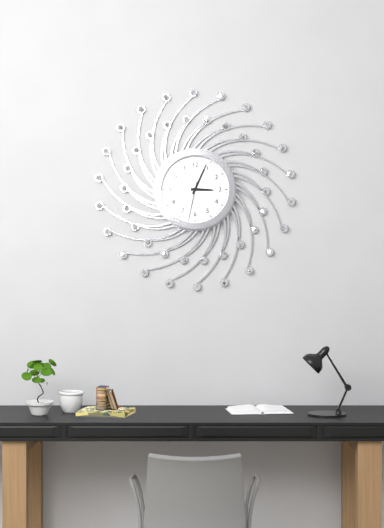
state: 3:04
